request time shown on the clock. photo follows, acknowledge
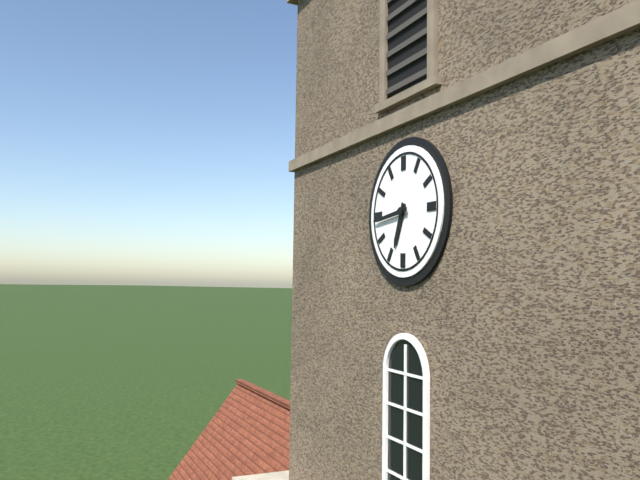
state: 6:44
